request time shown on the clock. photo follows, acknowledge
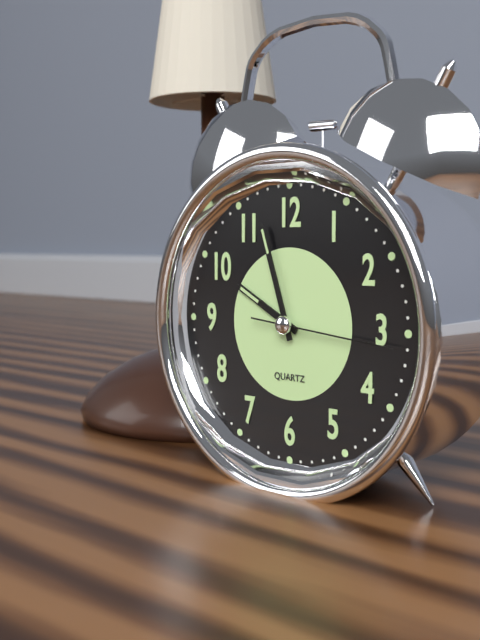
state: 9:57:16
